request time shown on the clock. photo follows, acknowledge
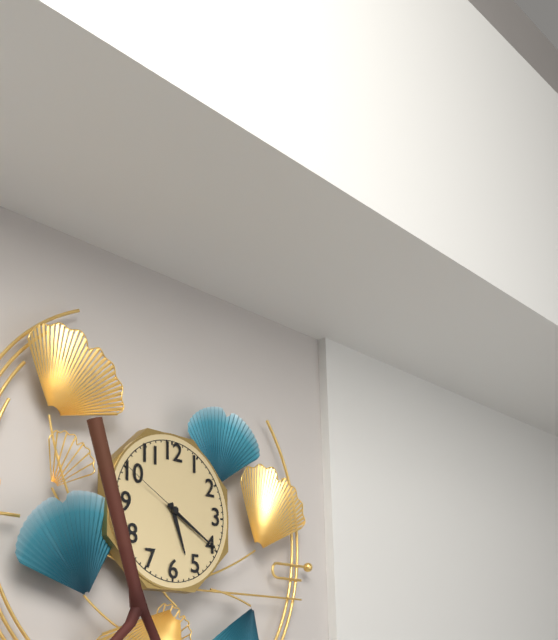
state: 5:20:50
